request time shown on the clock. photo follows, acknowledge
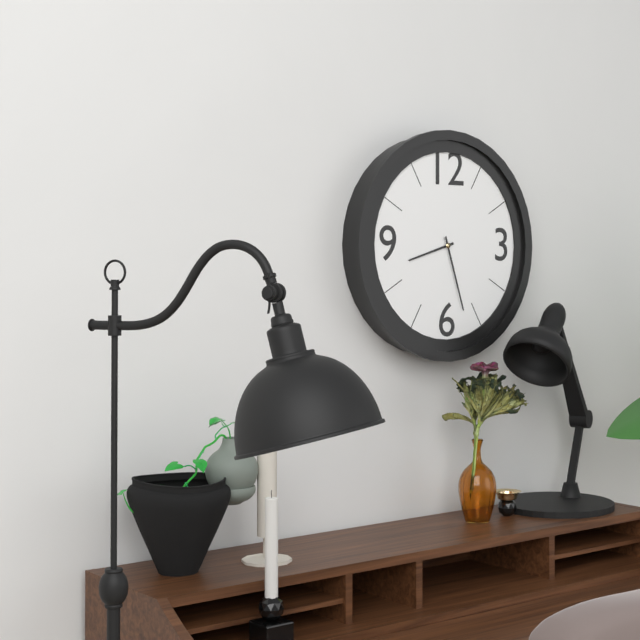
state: 8:27
